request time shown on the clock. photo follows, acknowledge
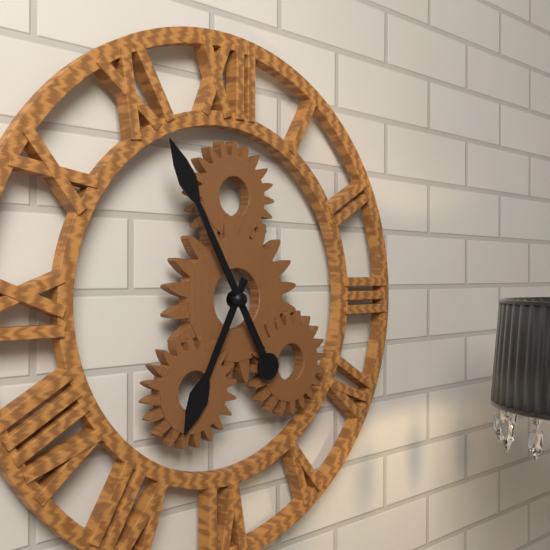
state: 6:55
